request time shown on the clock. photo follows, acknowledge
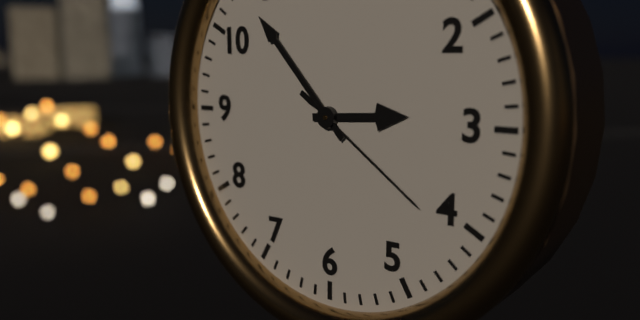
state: 2:53:21
